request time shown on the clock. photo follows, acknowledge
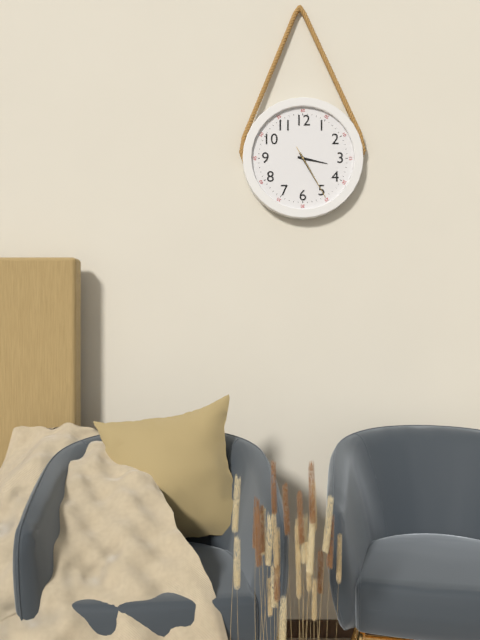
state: 3:25:25
